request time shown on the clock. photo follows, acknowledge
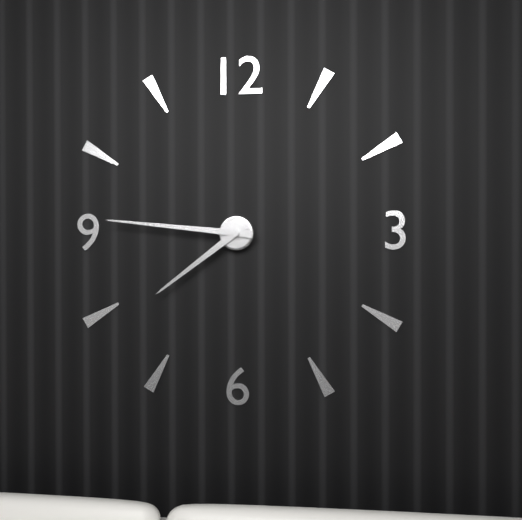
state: 7:46
